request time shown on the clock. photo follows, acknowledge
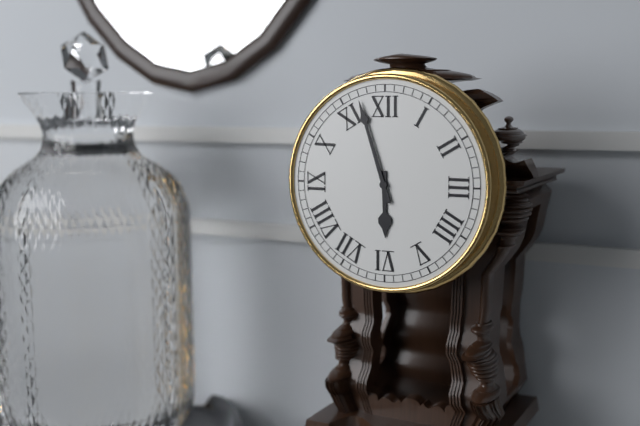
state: 5:57
